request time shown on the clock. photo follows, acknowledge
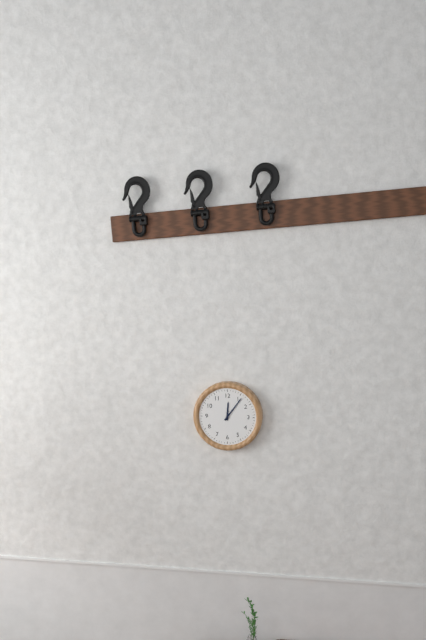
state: 12:06
